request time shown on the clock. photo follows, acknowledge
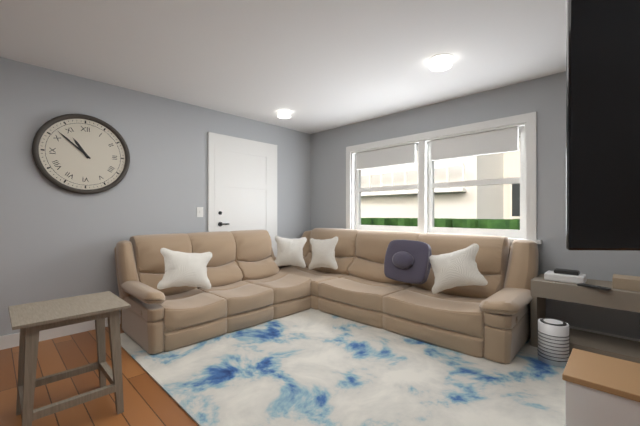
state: 10:52
